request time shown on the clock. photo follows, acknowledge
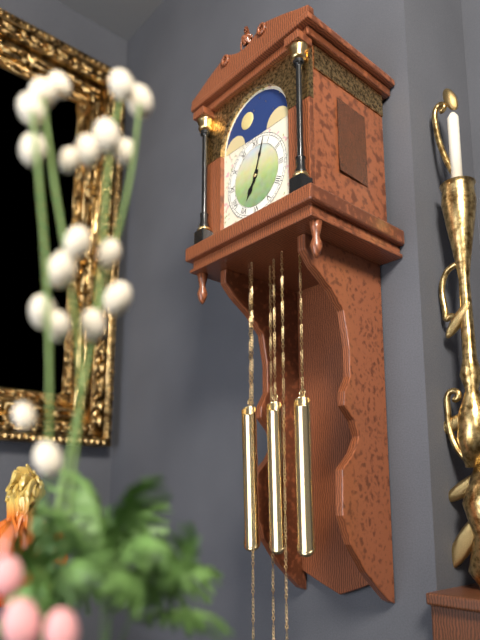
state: 7:03
